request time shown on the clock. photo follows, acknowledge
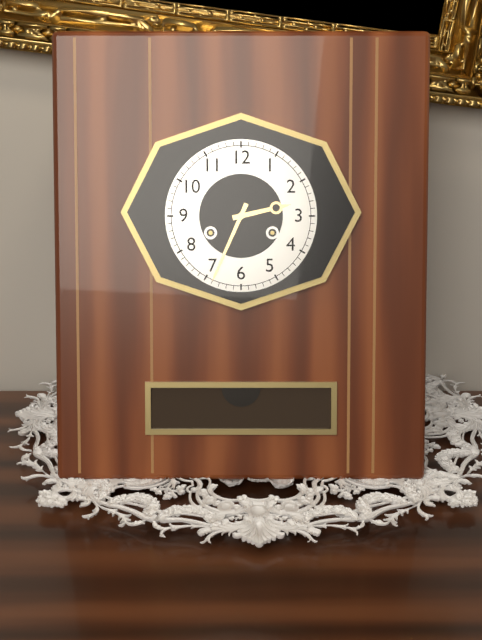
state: 2:34
